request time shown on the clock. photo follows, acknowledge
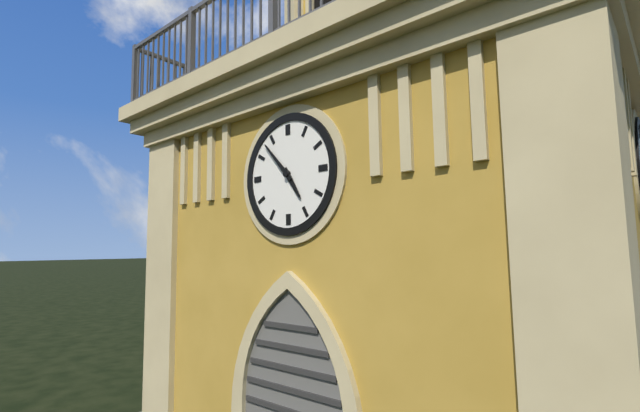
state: 4:53
